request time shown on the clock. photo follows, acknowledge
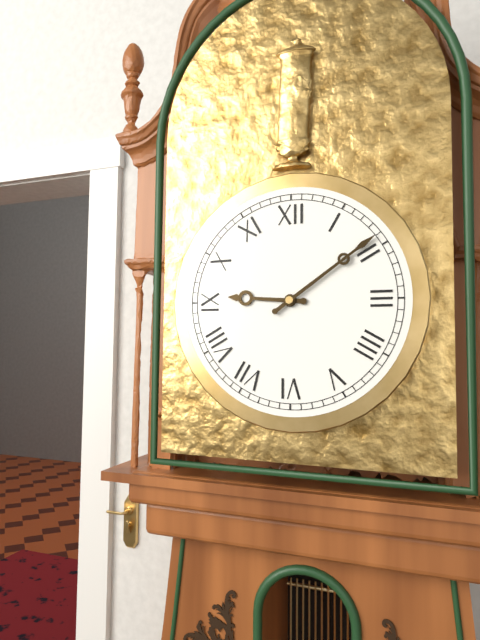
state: 9:09
